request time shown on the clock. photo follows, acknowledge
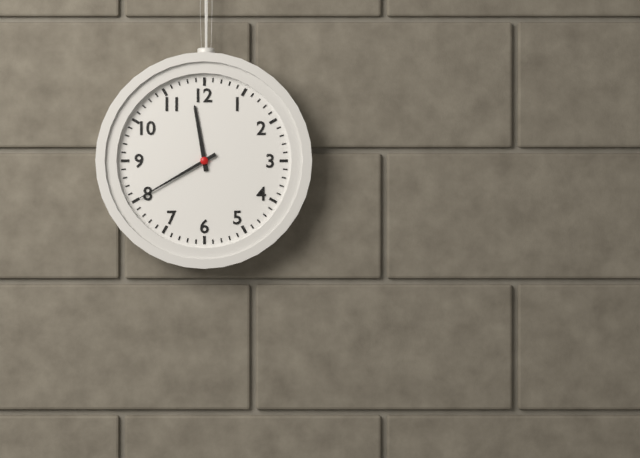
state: 11:40
